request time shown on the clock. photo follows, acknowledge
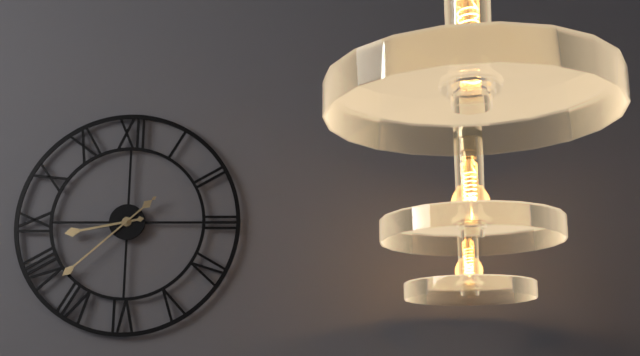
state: 8:38
